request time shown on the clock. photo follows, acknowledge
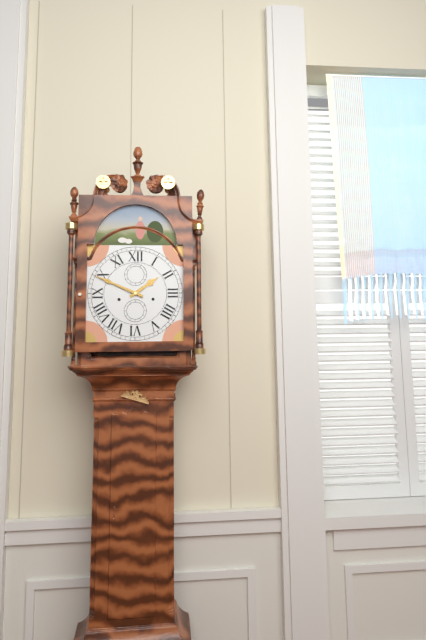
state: 1:49
